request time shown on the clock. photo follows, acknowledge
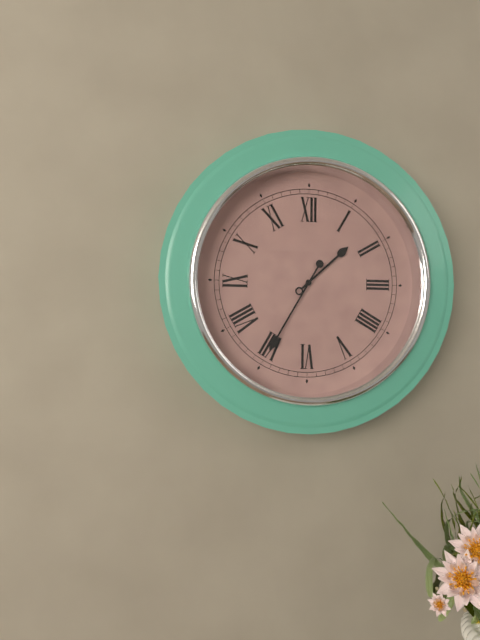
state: 1:35
